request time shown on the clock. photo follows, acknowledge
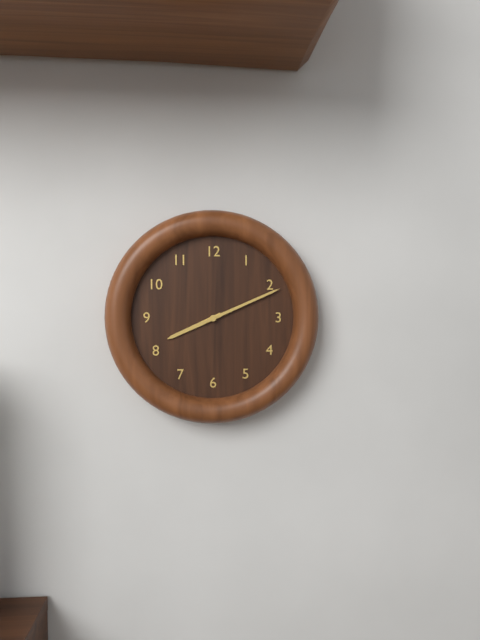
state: 8:11
